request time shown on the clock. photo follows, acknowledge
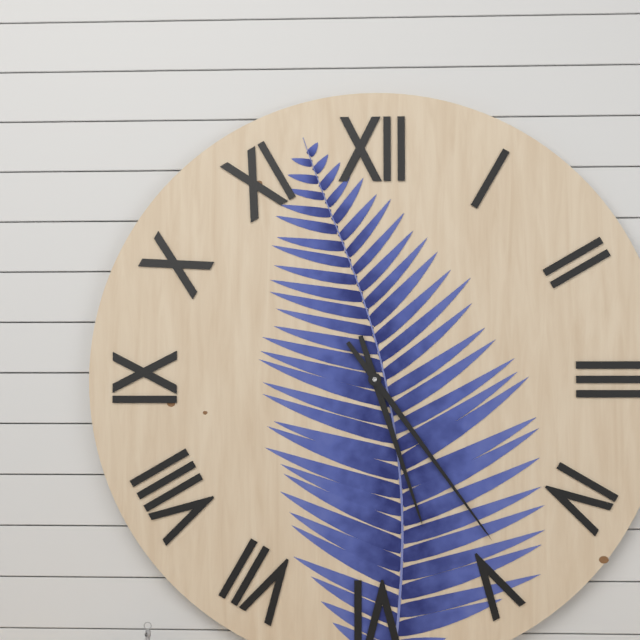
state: 5:24
